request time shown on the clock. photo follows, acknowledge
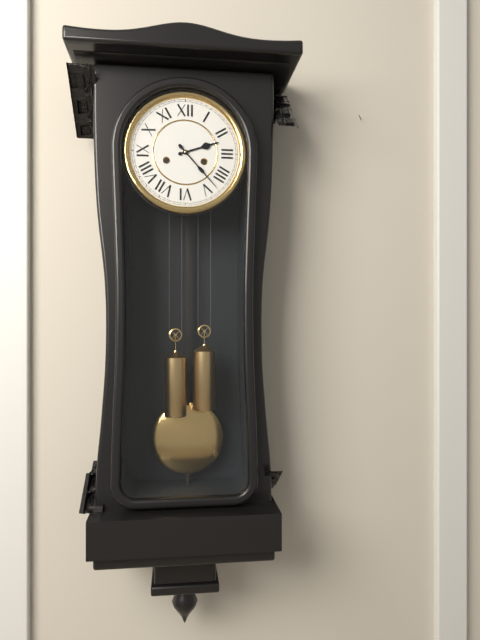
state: 2:23
